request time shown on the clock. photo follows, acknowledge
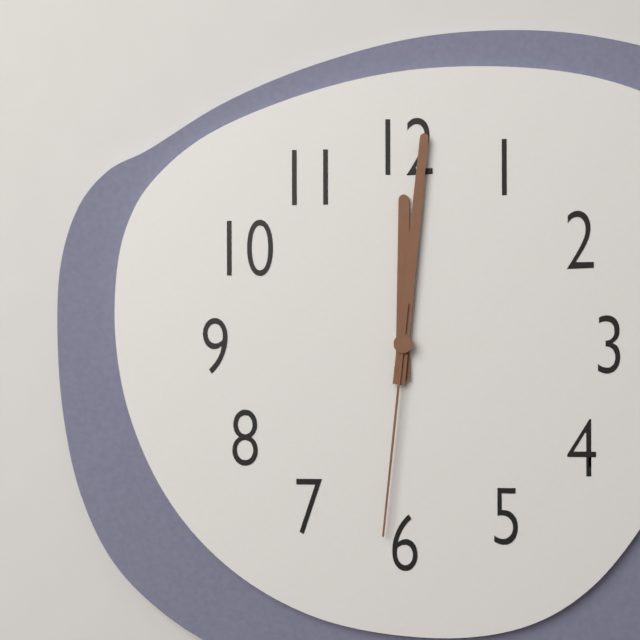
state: 12:01:31
